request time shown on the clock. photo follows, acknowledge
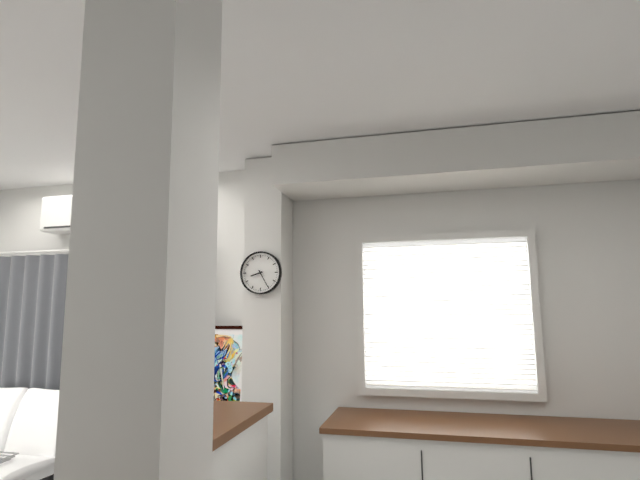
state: 8:25
